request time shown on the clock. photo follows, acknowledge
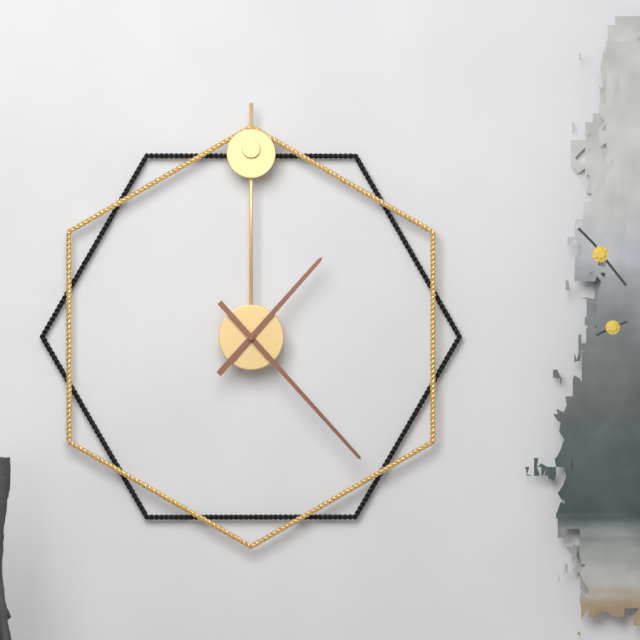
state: 1:23
